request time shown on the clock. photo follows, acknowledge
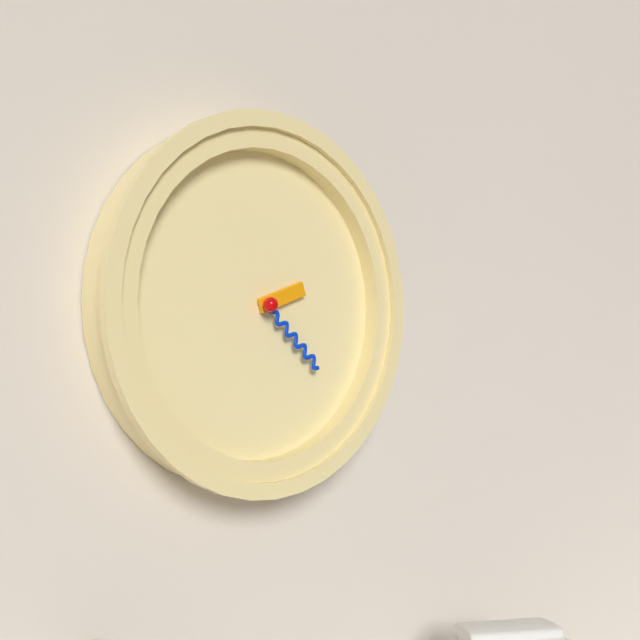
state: 2:22
